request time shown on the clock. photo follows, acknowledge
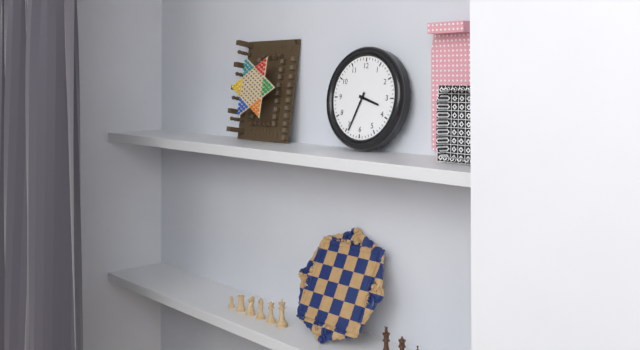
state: 3:34
